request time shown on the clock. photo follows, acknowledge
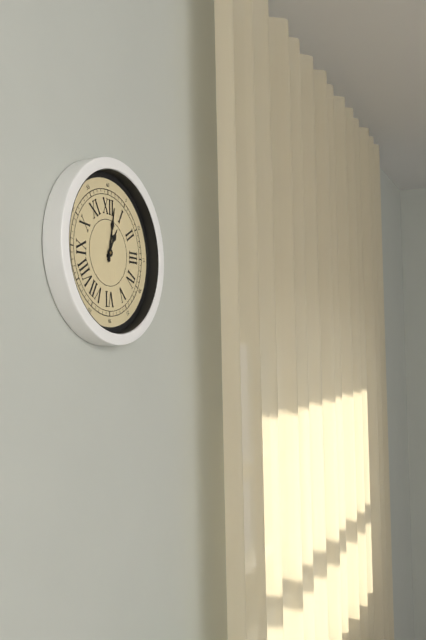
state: 1:02
